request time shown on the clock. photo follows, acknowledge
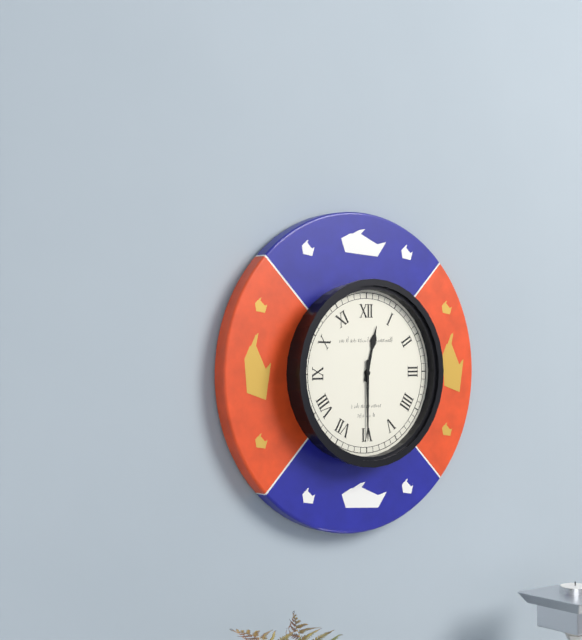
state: 12:30
